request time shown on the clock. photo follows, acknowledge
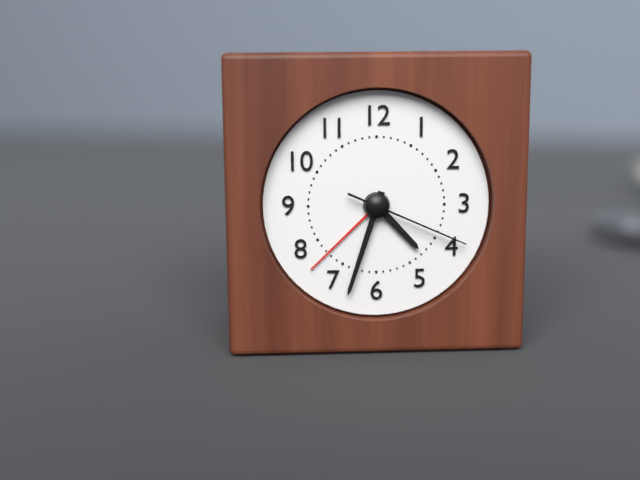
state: 4:33:19
